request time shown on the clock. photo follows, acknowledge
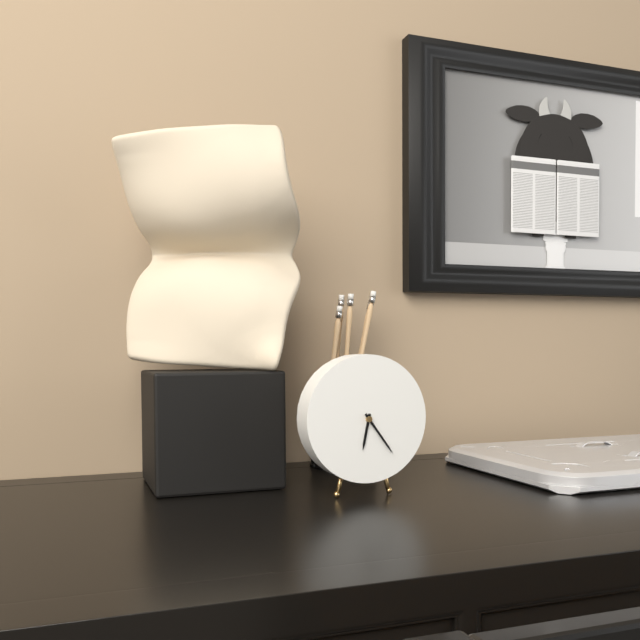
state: 6:24
